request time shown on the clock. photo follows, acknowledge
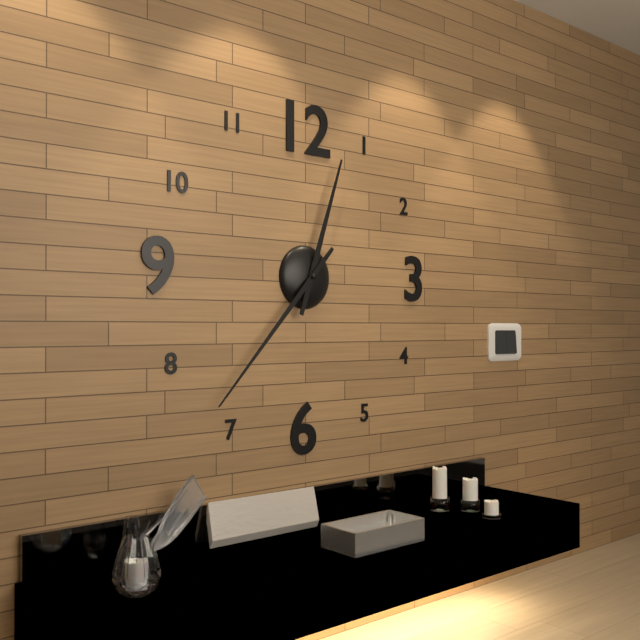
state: 12:37
